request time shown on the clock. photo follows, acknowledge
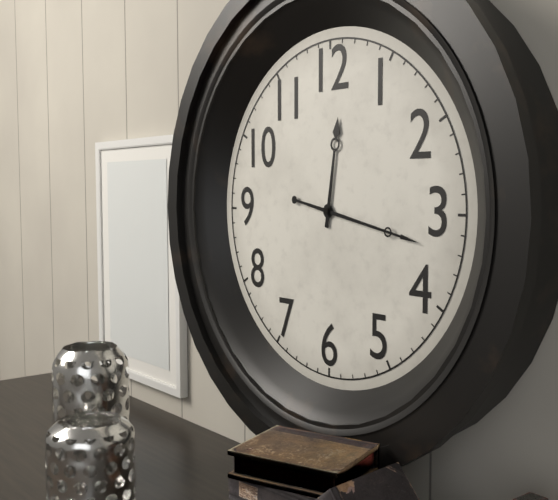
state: 12:17
